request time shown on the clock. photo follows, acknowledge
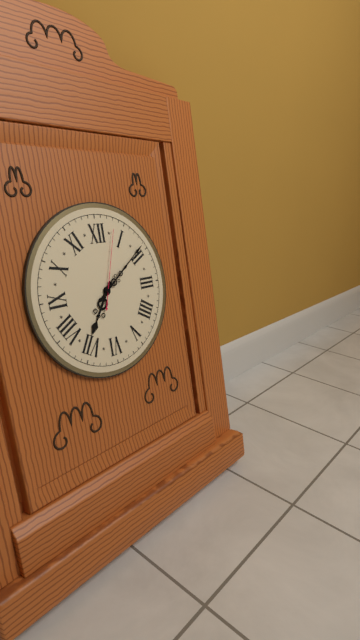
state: 7:09:03
